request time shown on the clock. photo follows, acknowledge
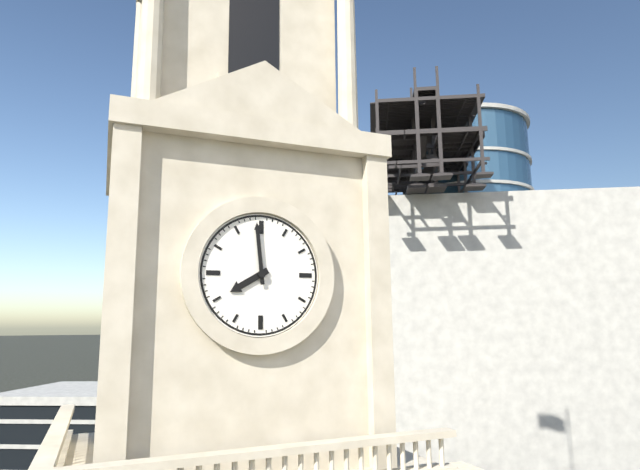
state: 7:59
